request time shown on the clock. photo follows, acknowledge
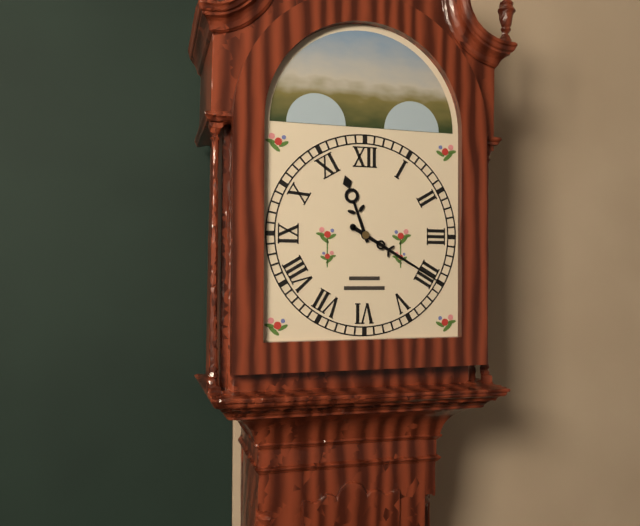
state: 11:20
